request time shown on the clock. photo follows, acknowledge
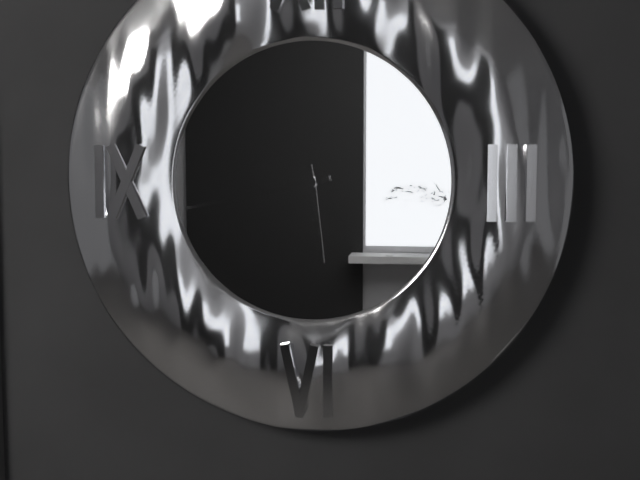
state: 5:43
